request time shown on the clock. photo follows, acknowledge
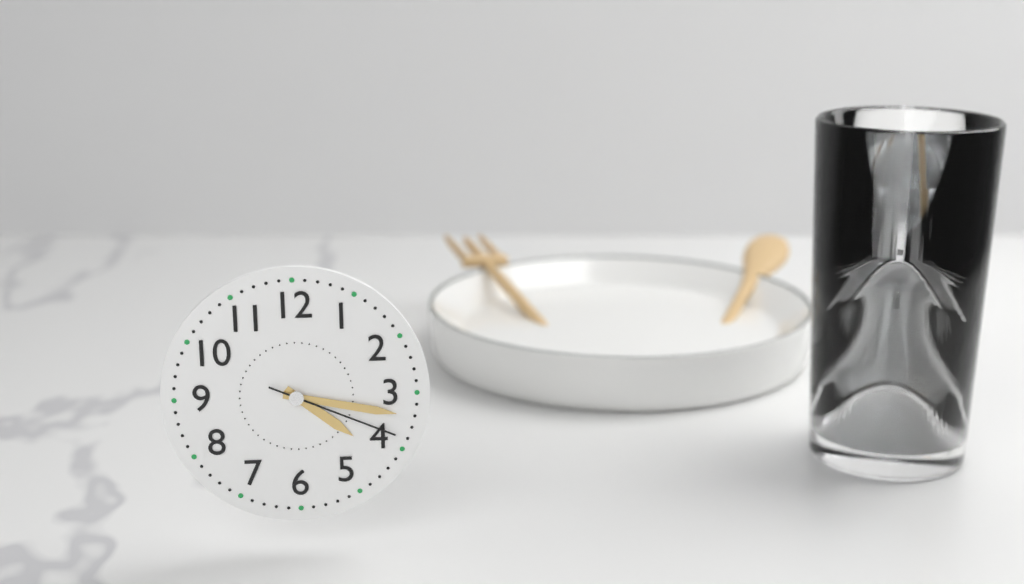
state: 4:17:19
